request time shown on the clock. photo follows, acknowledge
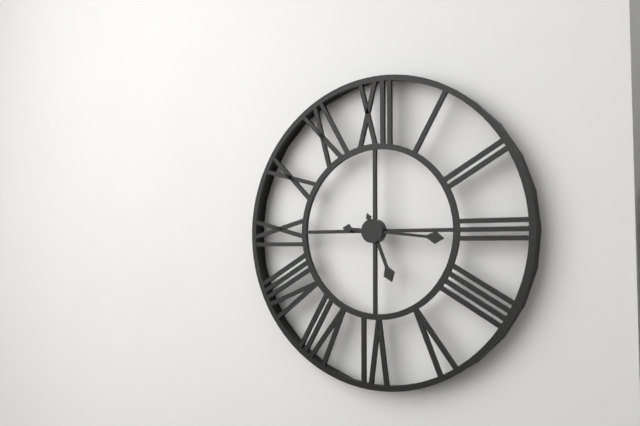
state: 5:16
